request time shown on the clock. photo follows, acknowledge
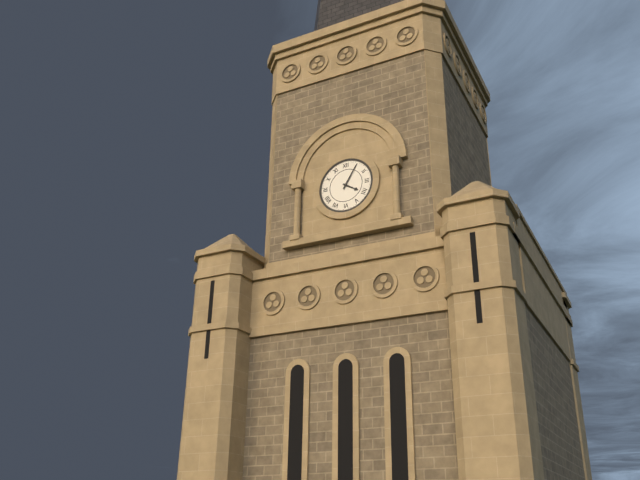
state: 4:05
